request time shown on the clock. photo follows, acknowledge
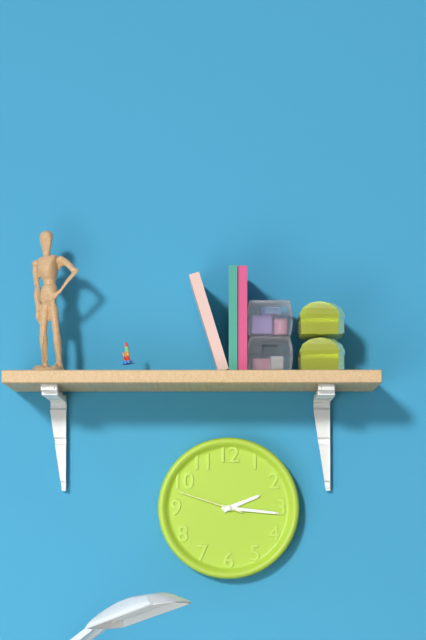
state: 2:16:48
